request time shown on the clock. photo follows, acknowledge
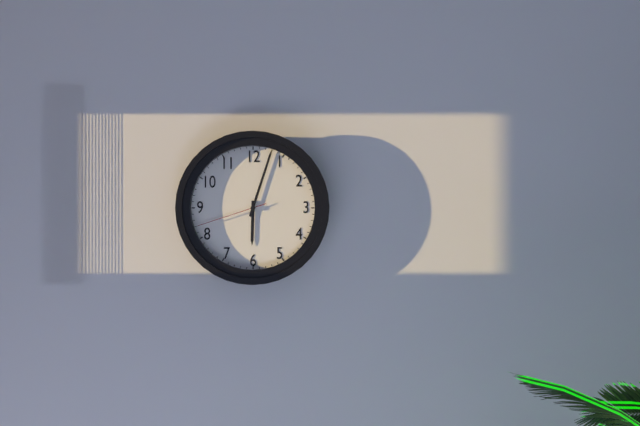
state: 6:03:42
